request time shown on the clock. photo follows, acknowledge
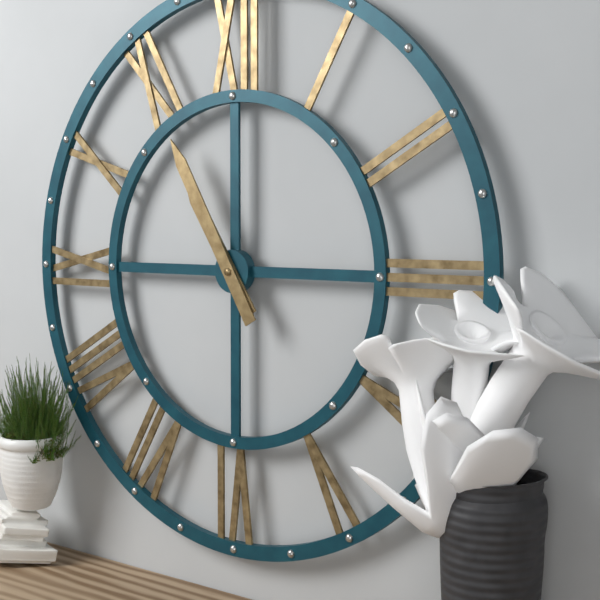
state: 10:55
